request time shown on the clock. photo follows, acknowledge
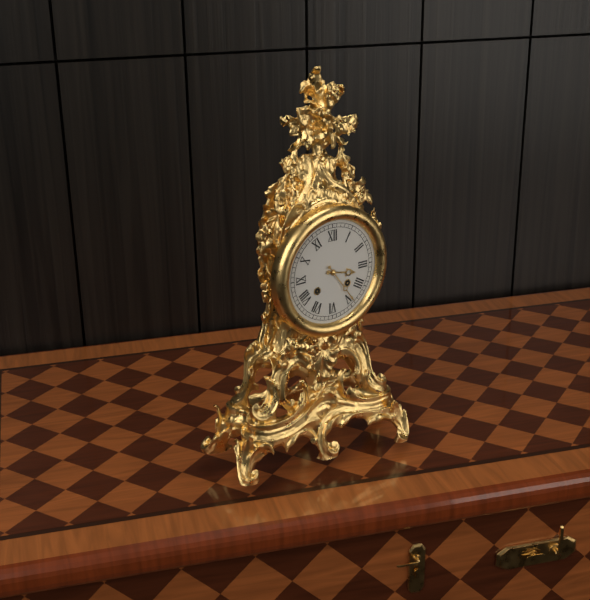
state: 3:24
